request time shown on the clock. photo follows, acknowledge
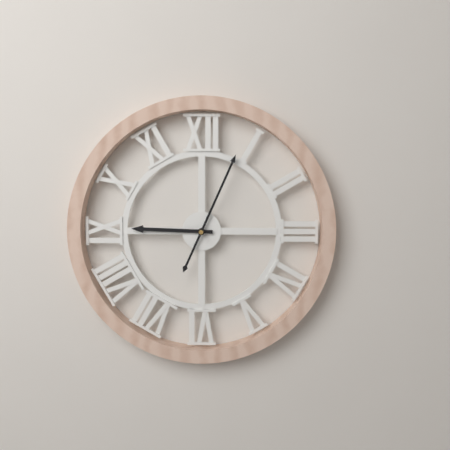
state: 9:04
